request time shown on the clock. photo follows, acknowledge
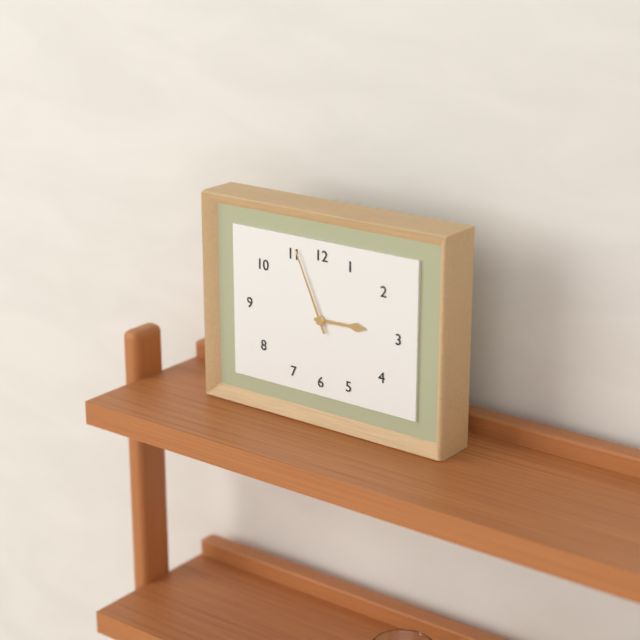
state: 2:56
